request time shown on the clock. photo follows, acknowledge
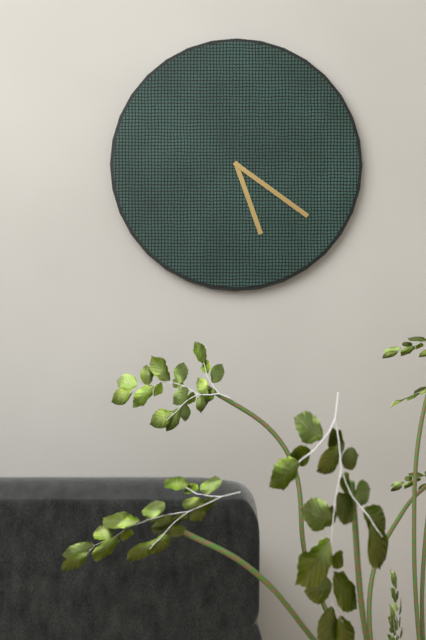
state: 5:21
